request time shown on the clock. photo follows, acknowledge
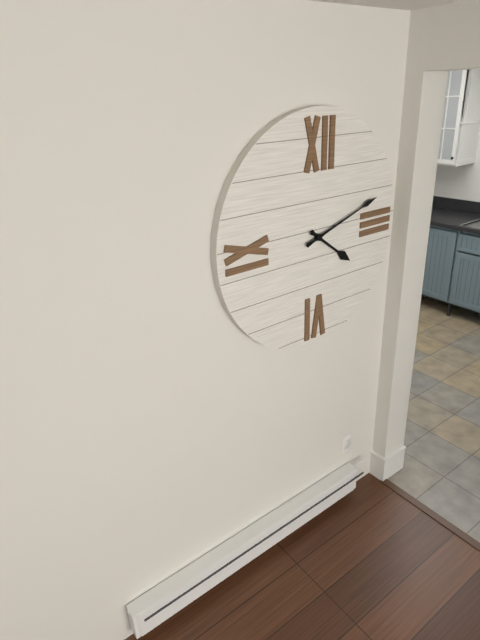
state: 4:12
